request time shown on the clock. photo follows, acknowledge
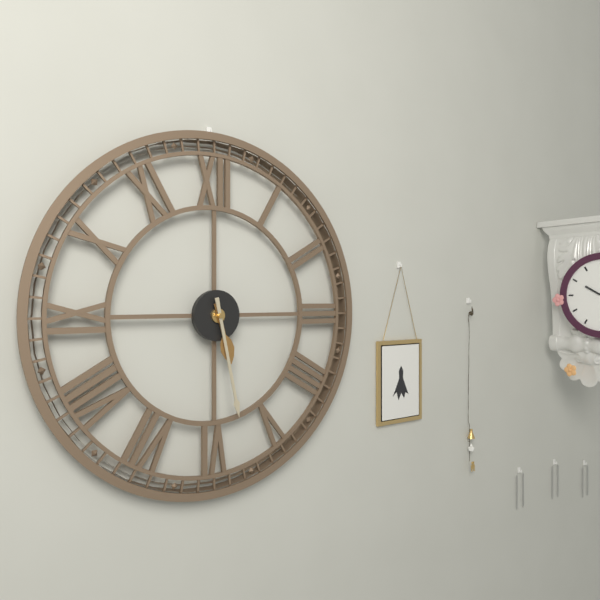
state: 5:28
